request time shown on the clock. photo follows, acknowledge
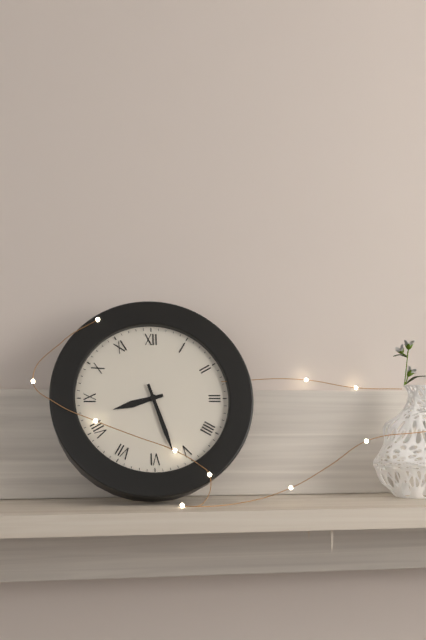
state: 8:27
